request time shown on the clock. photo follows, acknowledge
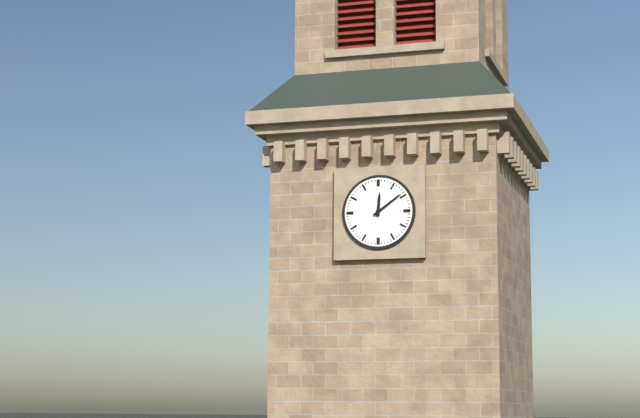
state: 12:09
